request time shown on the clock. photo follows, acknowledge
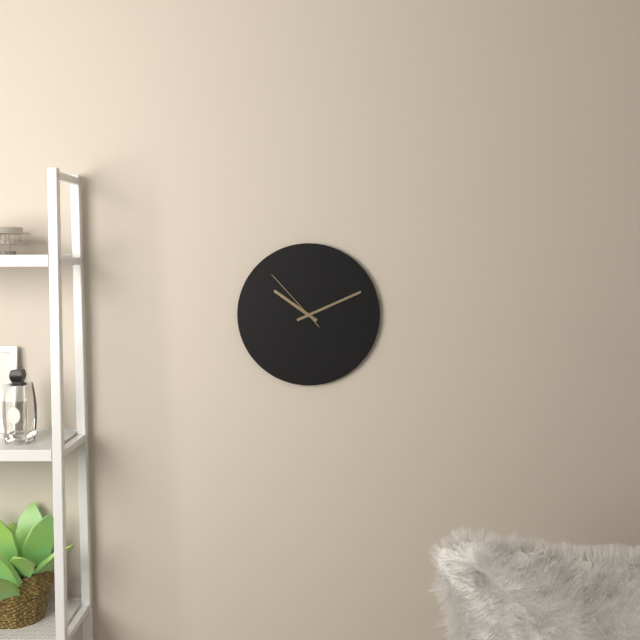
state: 10:11:53
